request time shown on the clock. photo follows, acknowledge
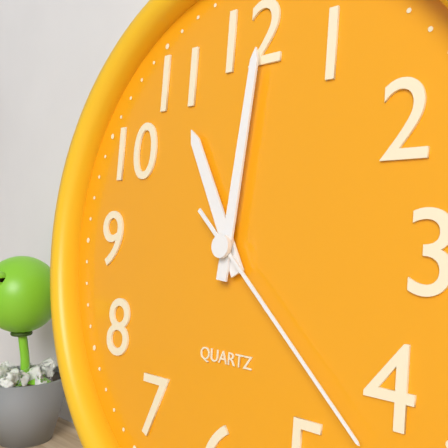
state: 11:01:22
